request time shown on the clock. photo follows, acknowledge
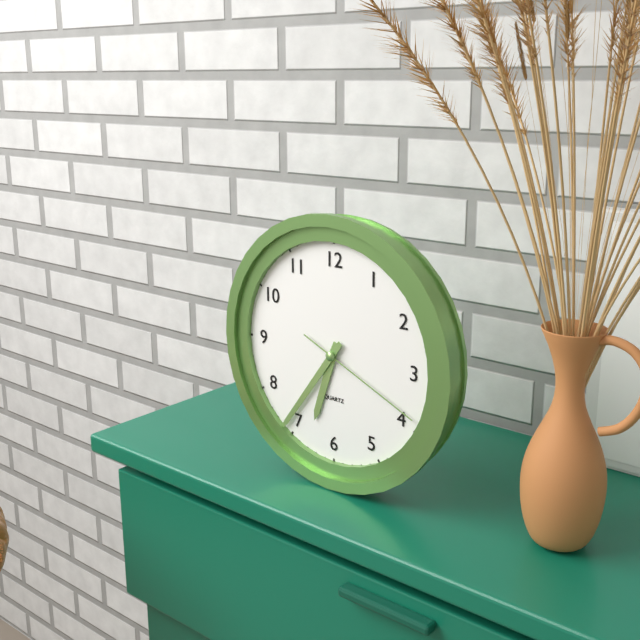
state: 6:36:19
